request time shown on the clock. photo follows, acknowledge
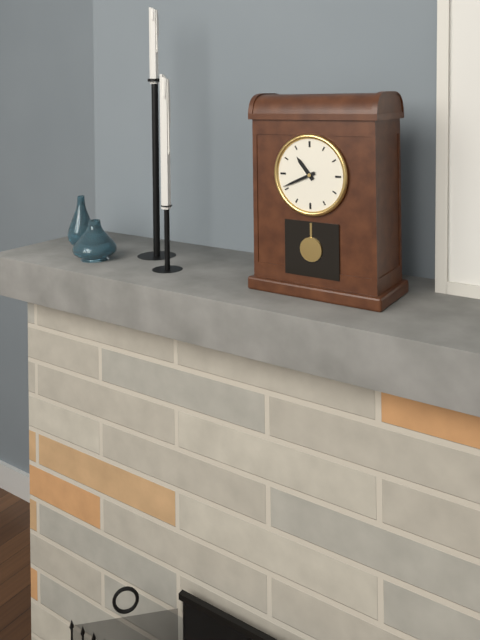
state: 10:41
